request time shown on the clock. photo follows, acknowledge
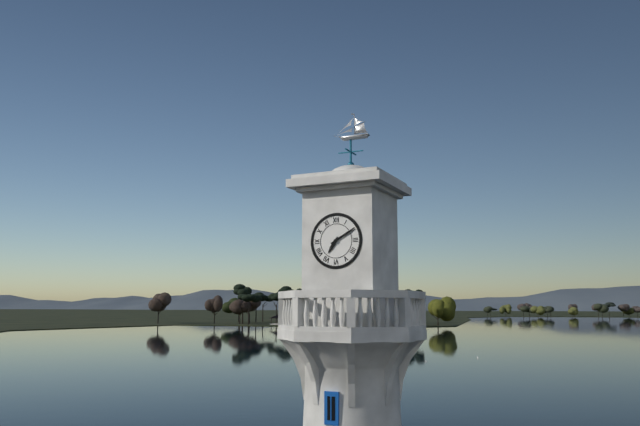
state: 7:10
